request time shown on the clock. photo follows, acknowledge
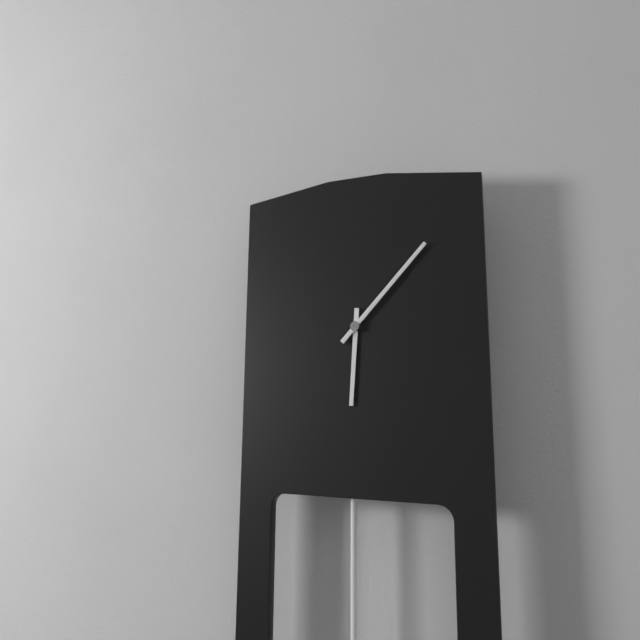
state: 6:07
